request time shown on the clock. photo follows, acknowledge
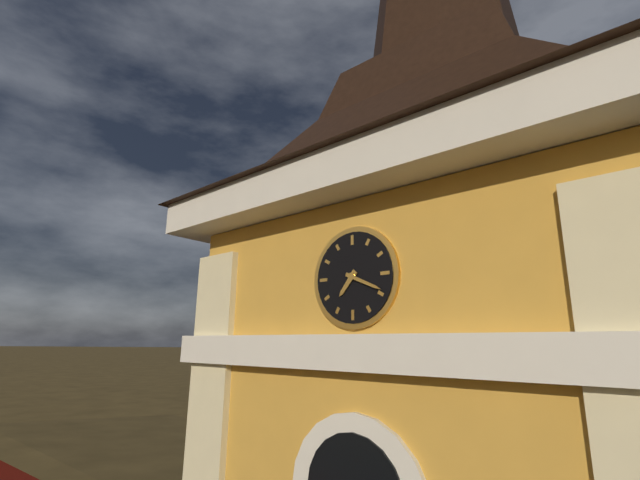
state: 7:19
